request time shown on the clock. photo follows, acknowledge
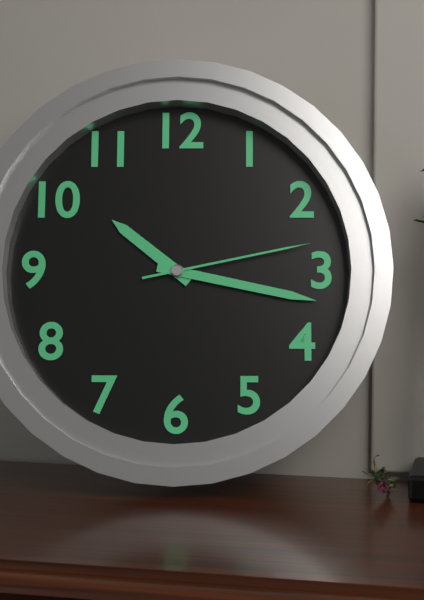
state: 10:17:13
